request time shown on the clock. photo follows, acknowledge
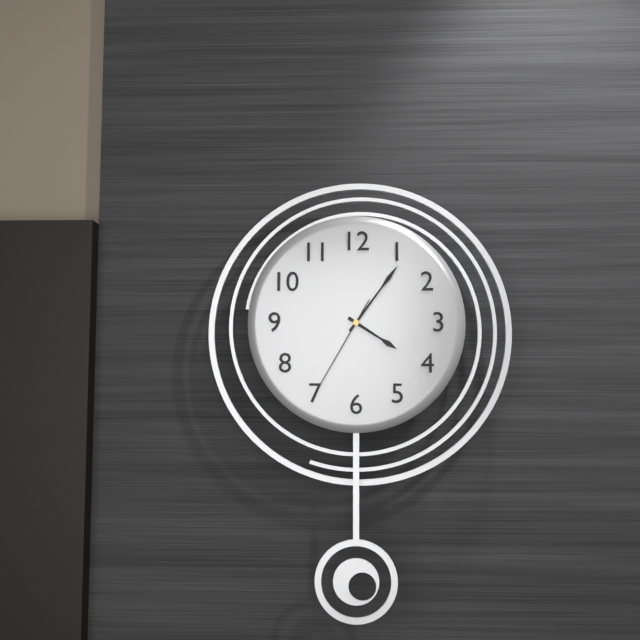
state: 4:06:35
